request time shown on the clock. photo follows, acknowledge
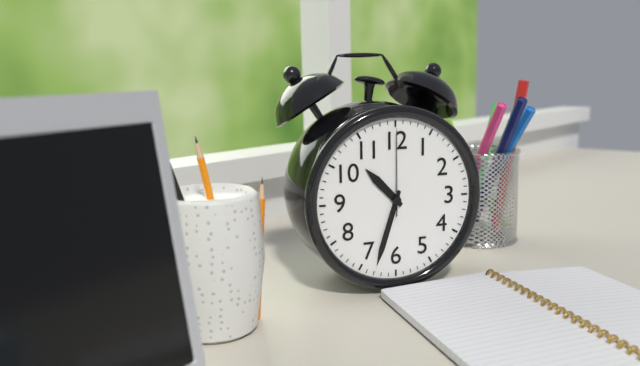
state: 10:33:00
